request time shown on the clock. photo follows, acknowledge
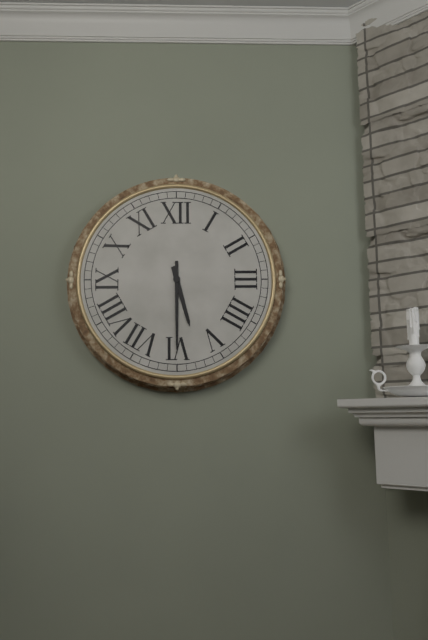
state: 5:30
